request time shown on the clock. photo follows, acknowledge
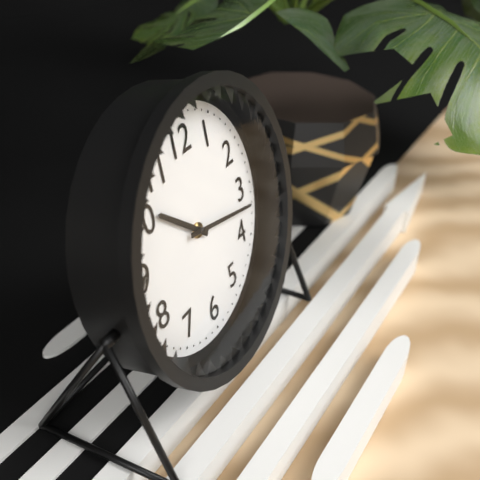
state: 10:17
